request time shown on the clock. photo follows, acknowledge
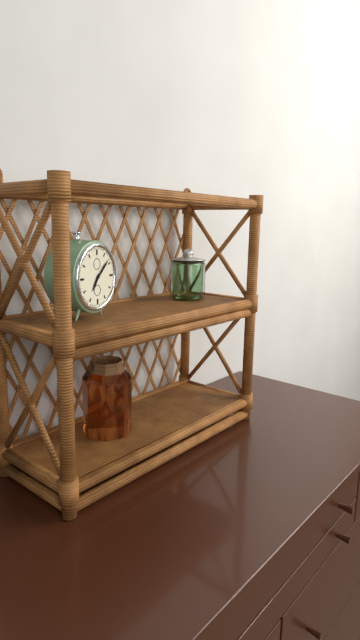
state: 7:08
